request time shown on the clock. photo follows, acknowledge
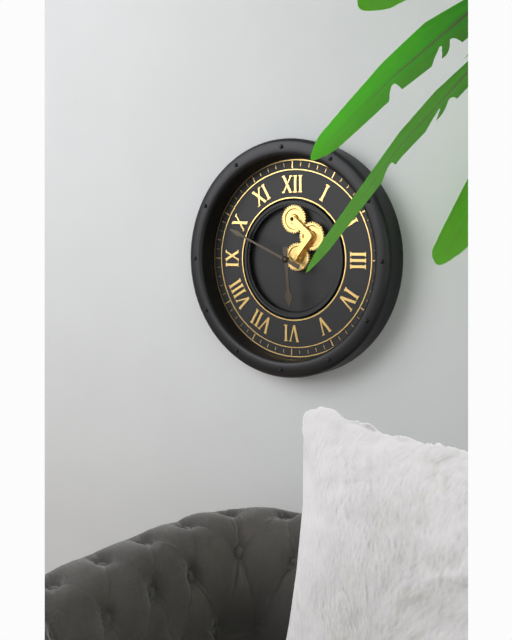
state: 5:49
